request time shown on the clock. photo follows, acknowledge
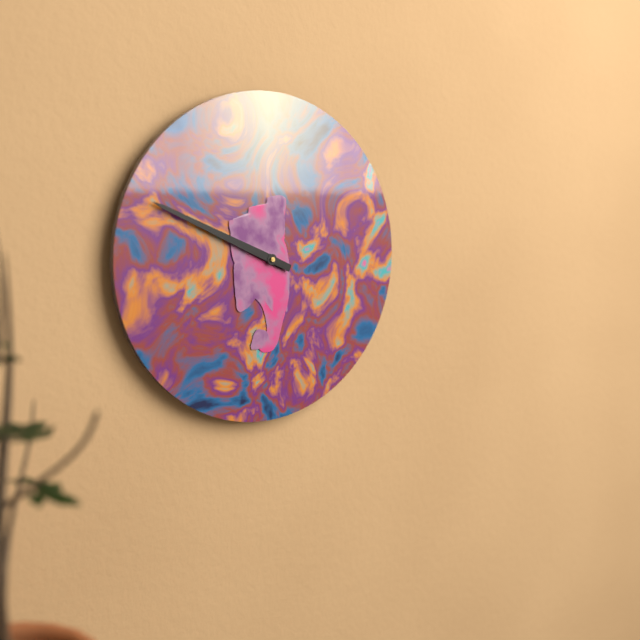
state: 9:49
